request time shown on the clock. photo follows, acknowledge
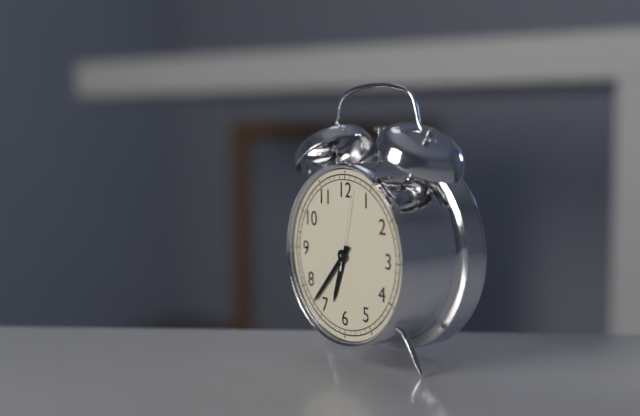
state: 6:37:02
